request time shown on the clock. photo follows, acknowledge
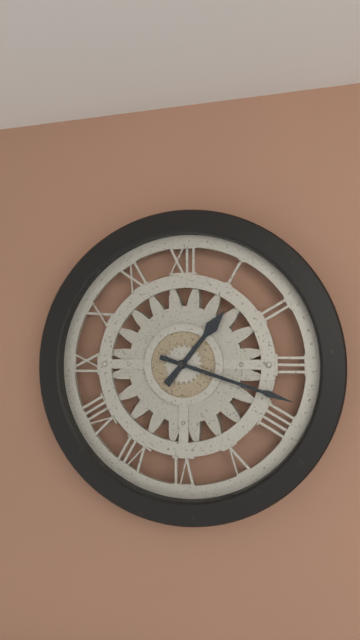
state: 1:18
